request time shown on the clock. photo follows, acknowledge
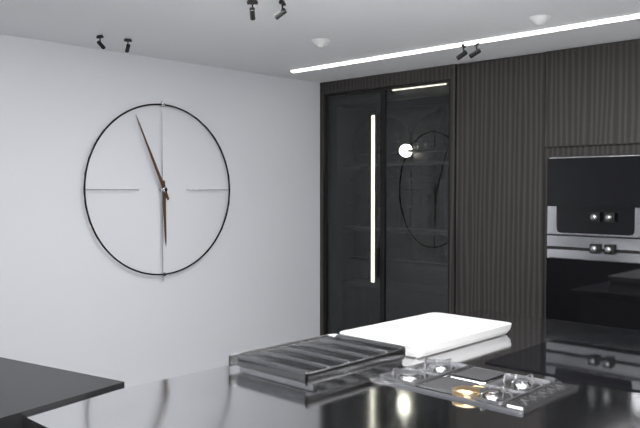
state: 5:56
